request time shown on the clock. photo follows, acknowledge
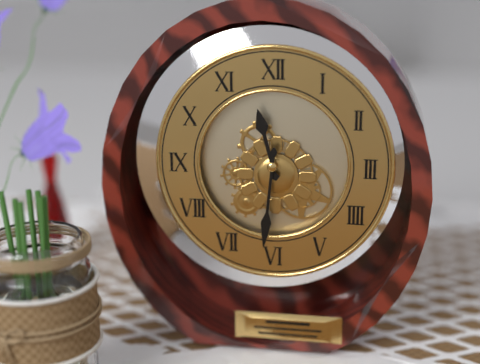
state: 11:31
